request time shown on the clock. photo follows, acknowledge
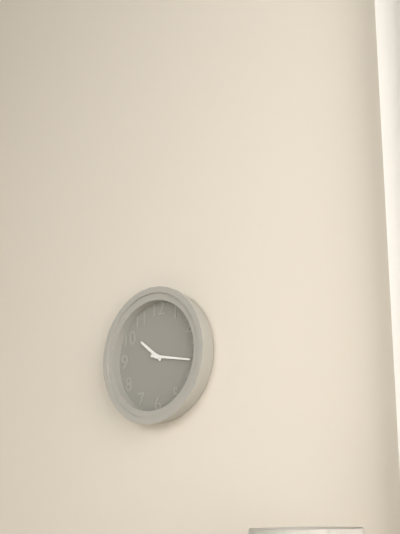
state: 10:17
